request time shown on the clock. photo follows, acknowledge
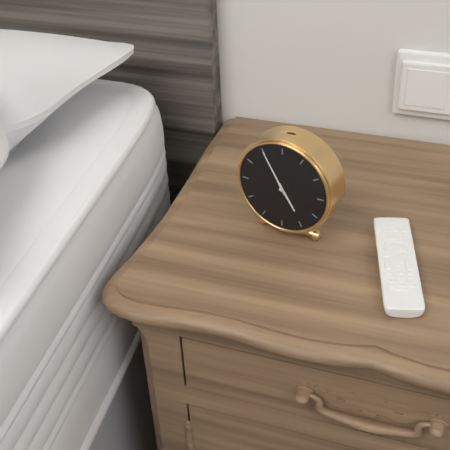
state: 4:55
